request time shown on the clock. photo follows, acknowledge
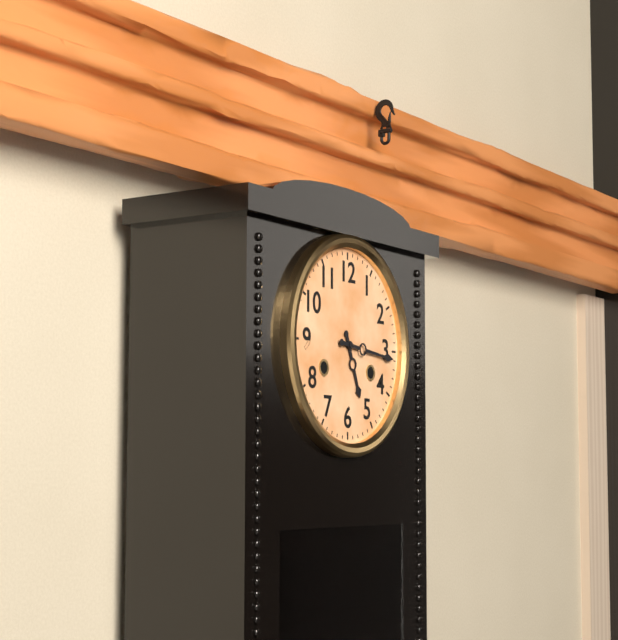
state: 5:16
